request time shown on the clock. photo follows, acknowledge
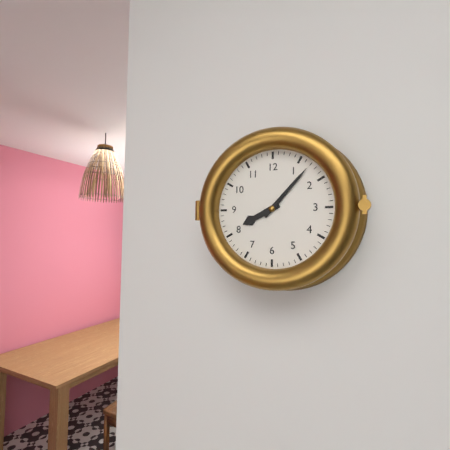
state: 8:07
